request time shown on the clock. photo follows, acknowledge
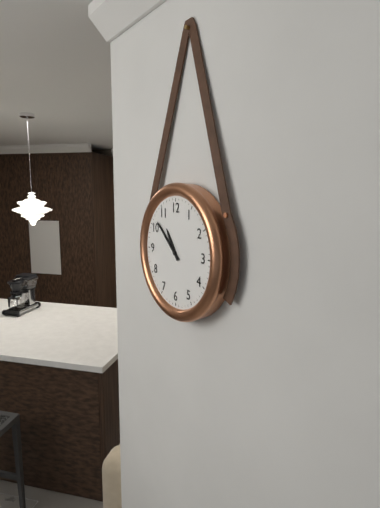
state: 10:52
